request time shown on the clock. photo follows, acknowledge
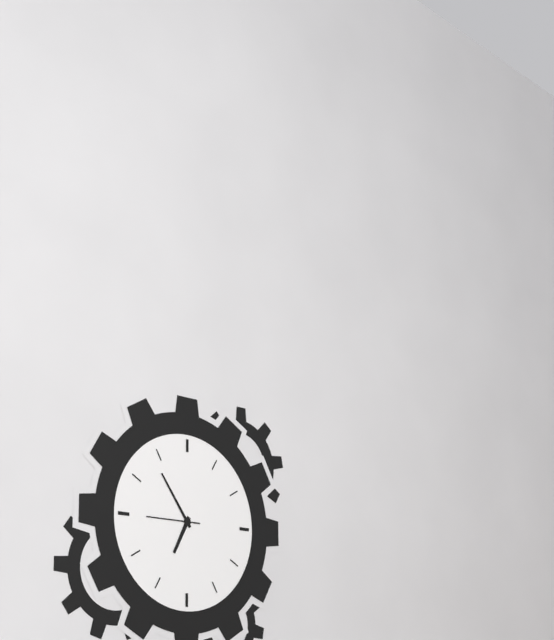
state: 6:54:45
